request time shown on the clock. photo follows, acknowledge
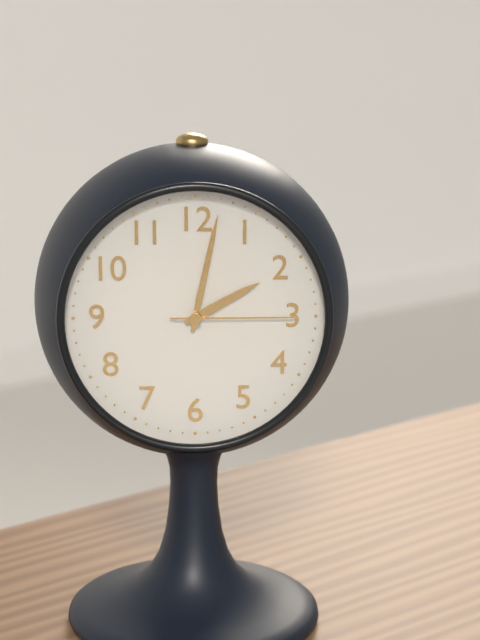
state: 2:02:15
